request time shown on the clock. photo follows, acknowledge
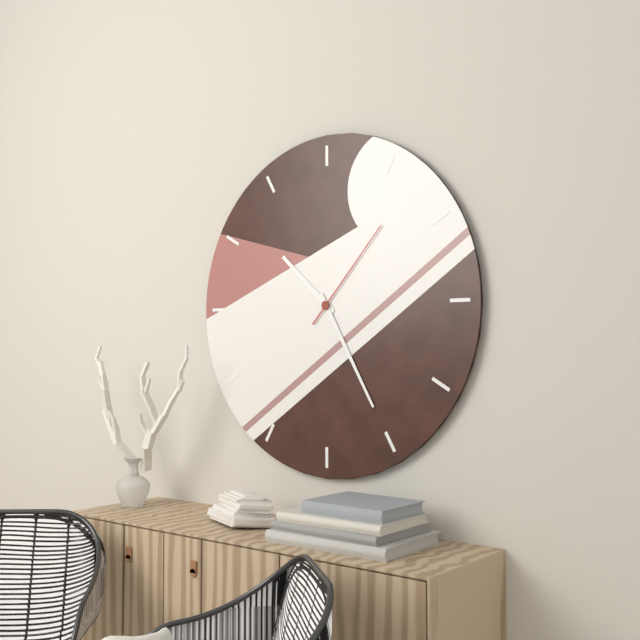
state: 10:25:07
